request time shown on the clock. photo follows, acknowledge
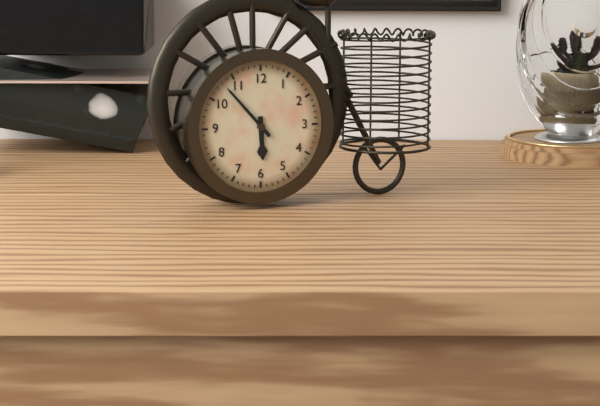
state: 5:53
